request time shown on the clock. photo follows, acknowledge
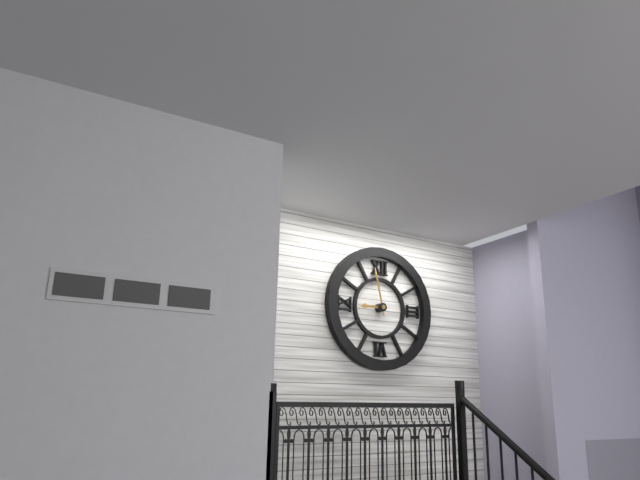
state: 8:58
